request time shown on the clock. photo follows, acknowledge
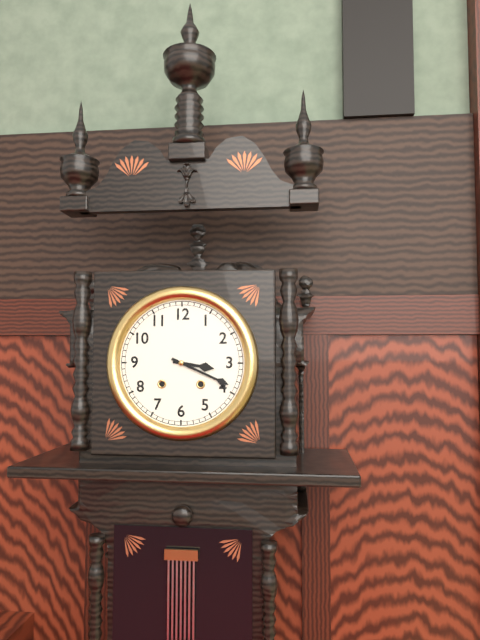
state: 3:19
